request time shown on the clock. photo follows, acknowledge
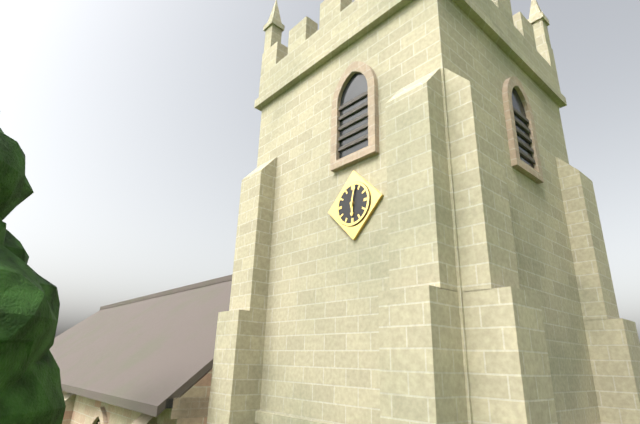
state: 6:02
